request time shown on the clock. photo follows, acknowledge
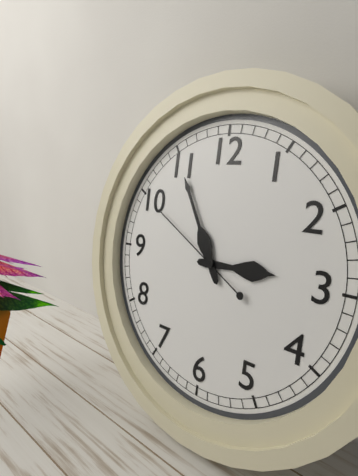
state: 2:55:50
